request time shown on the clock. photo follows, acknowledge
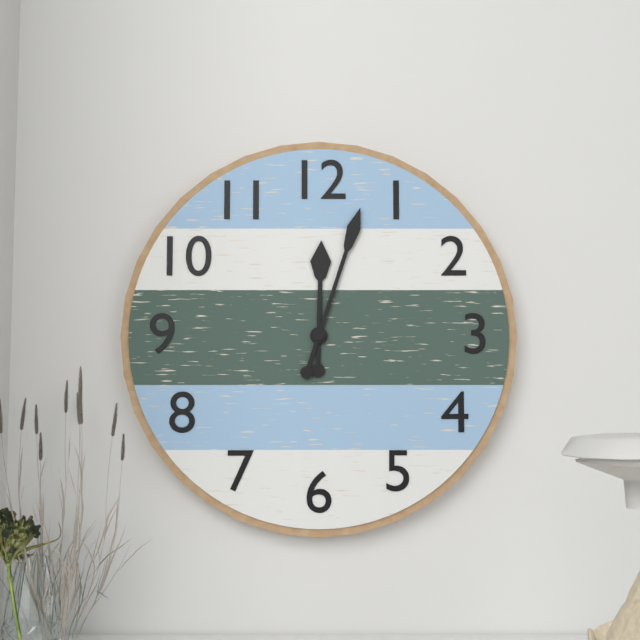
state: 12:03
